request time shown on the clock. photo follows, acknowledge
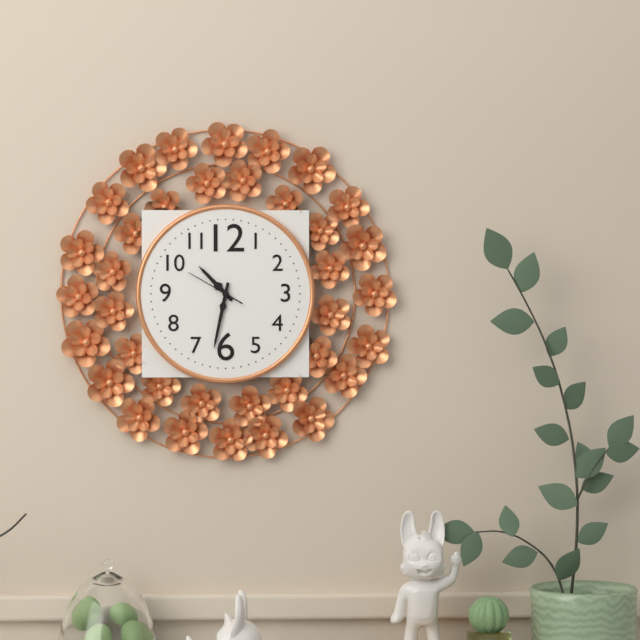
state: 10:32:50
